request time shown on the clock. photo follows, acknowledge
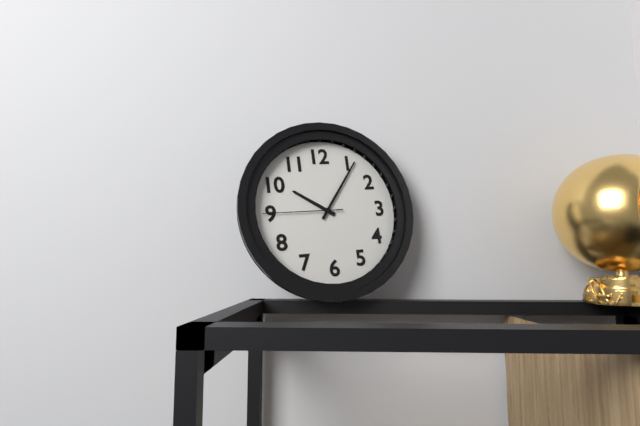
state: 10:06:45
